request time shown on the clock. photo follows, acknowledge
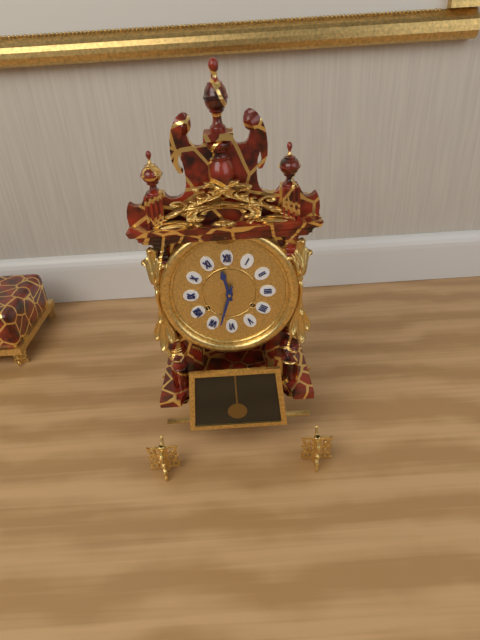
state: 11:33
